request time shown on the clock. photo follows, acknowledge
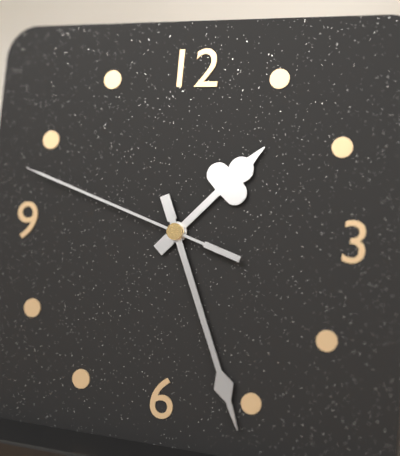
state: 1:26:48
